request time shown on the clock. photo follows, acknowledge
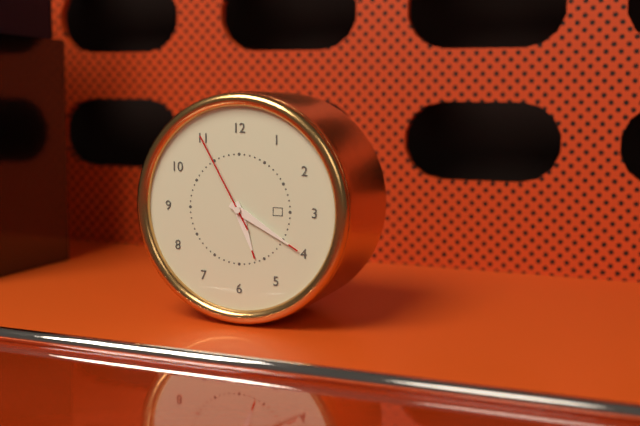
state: 5:20:55
